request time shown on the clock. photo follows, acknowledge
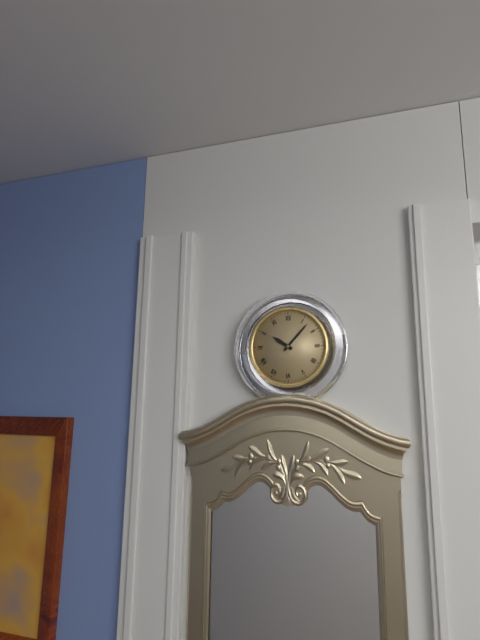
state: 10:07
